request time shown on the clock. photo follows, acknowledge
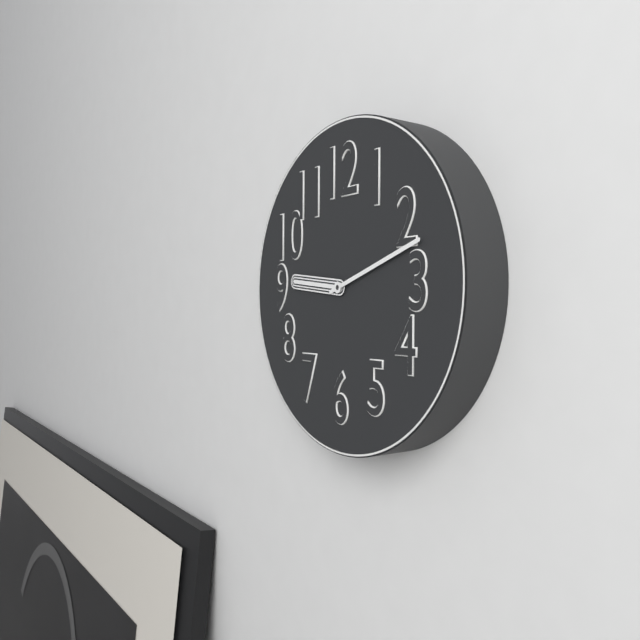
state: 9:12
